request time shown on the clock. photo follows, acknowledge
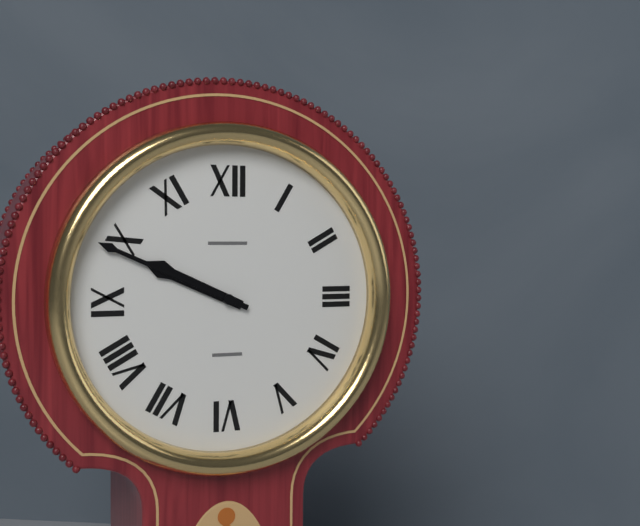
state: 9:49
